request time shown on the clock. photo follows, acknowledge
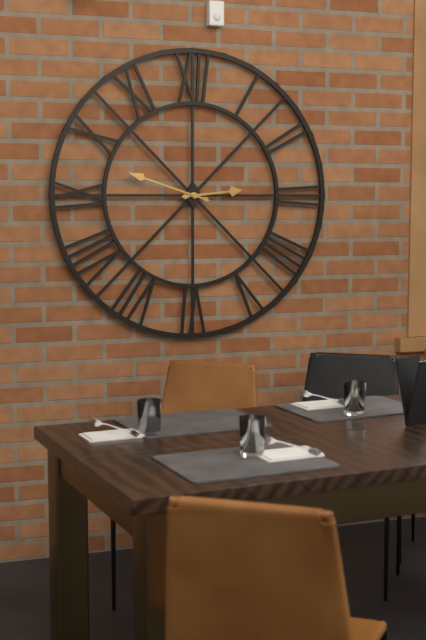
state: 2:48
